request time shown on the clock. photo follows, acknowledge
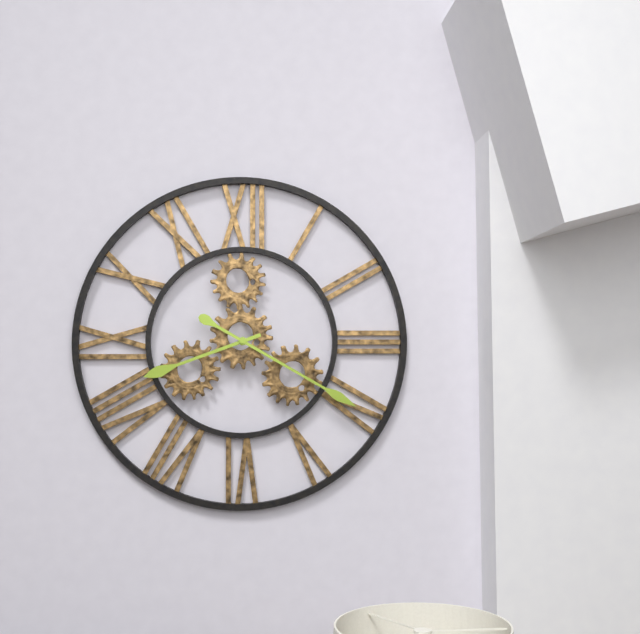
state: 8:20
